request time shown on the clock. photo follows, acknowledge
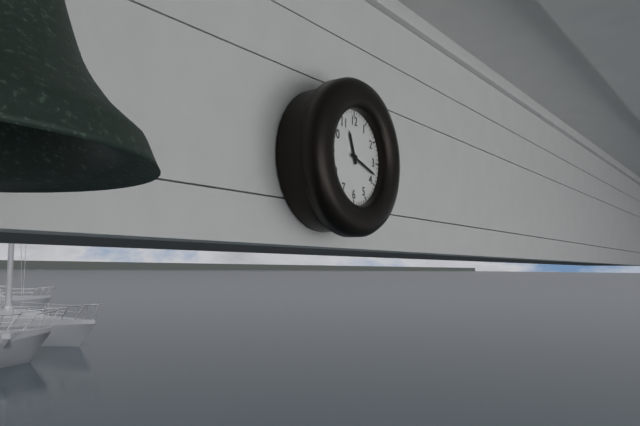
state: 11:18
